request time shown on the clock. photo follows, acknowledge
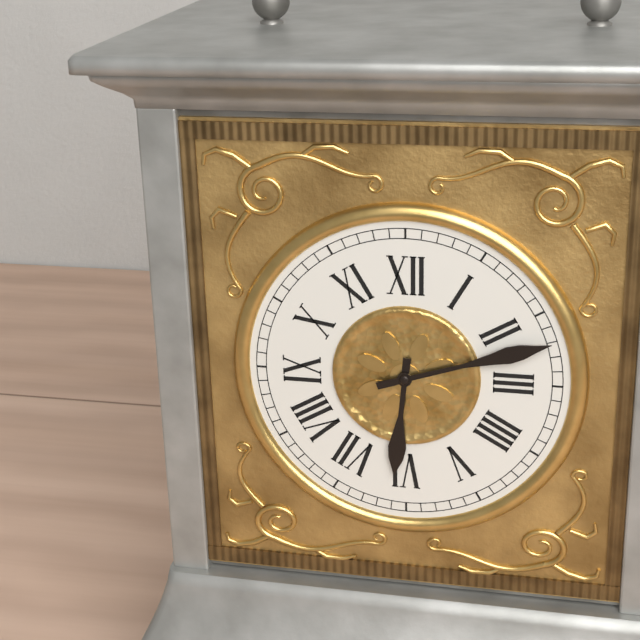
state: 6:12
